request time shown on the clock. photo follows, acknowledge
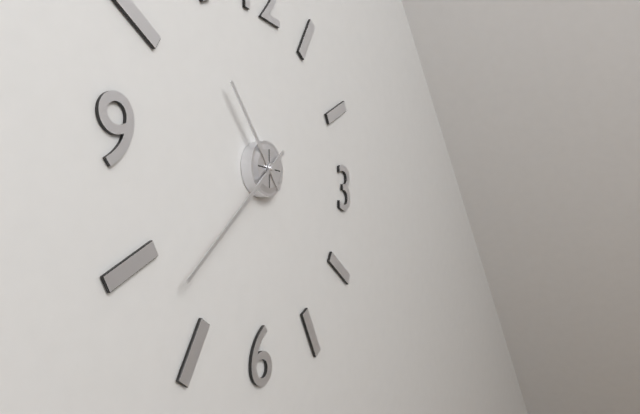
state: 10:38
